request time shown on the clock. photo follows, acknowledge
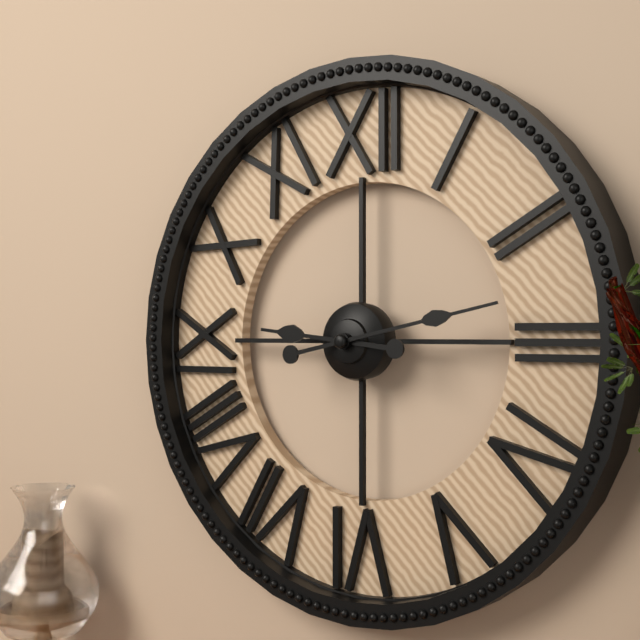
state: 9:13
